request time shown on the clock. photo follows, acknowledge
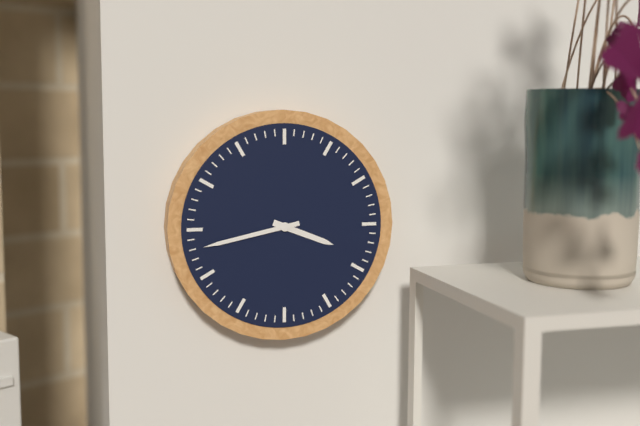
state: 3:43
